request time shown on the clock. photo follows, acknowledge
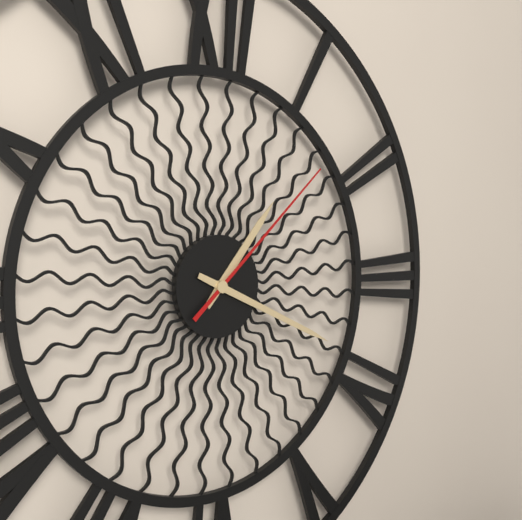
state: 1:19:08
